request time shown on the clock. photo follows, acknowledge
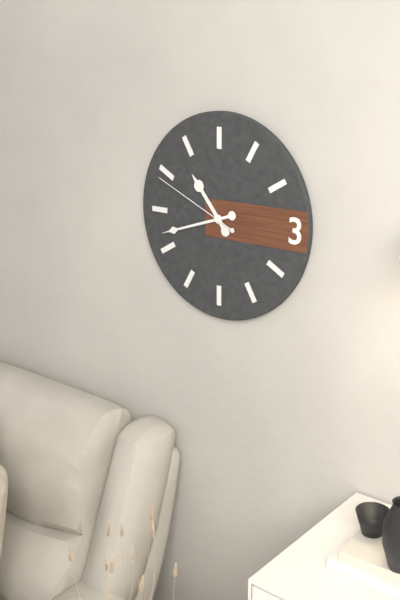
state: 10:42:49
